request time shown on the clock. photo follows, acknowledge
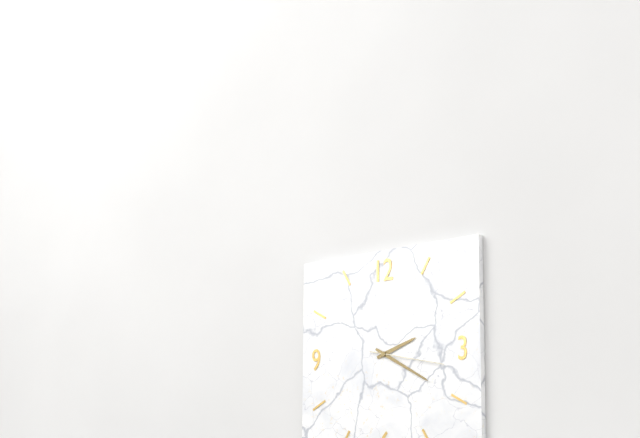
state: 2:20:17
